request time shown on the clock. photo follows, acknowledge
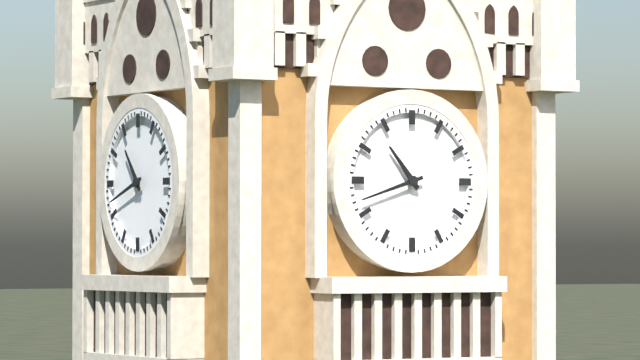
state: 10:42
